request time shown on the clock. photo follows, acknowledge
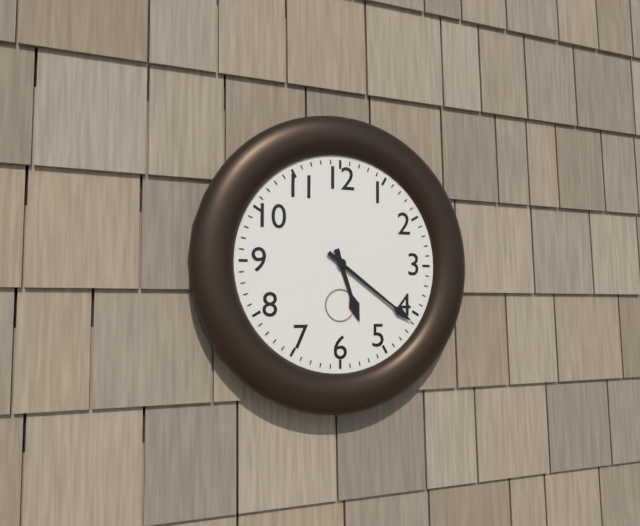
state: 5:21
